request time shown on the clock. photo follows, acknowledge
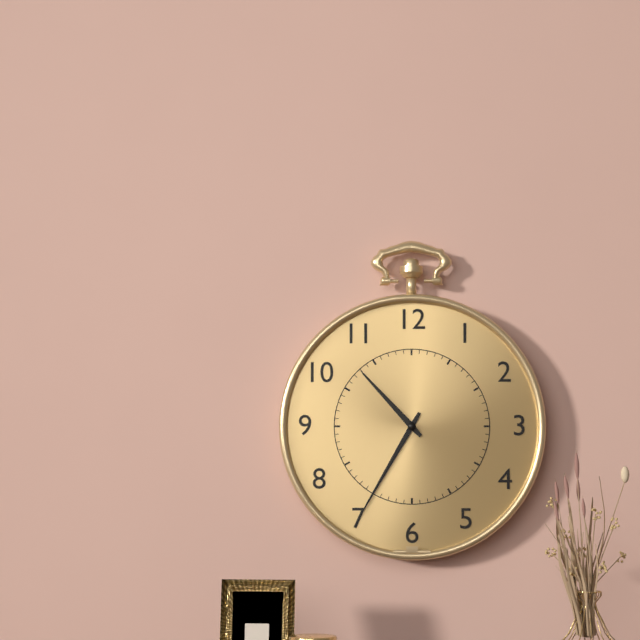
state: 10:35
